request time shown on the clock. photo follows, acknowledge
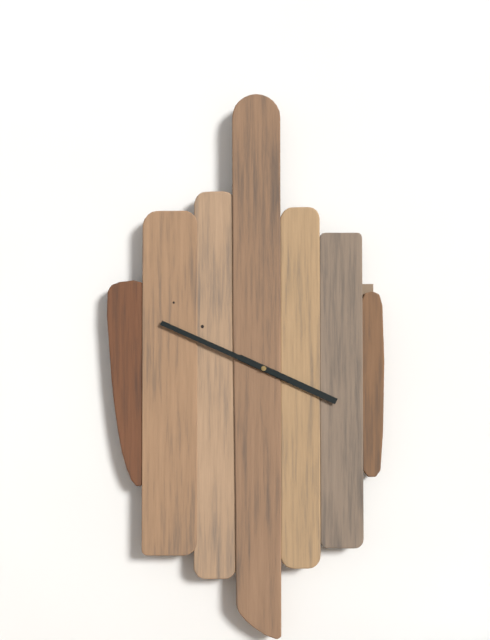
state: 3:49
